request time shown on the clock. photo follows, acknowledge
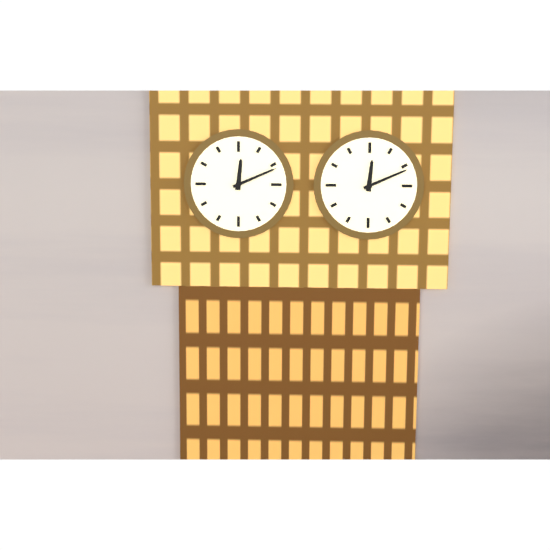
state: 12:11
